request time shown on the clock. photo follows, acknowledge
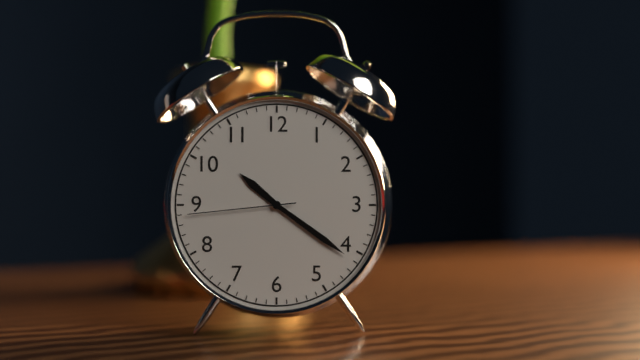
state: 10:21:44
